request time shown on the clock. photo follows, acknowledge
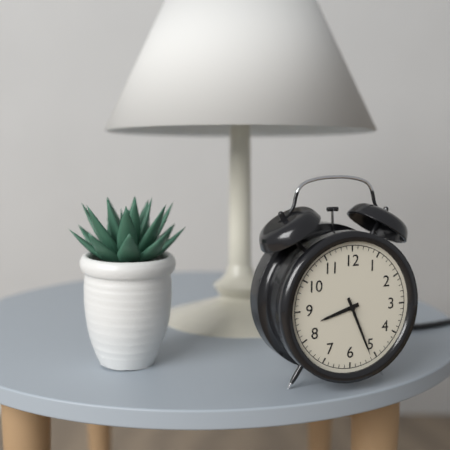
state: 8:26
